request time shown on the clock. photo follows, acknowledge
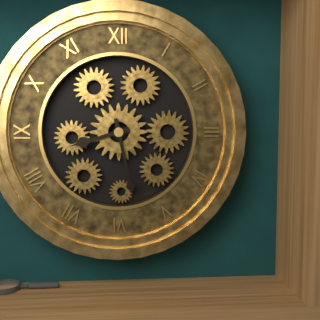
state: 8:28
